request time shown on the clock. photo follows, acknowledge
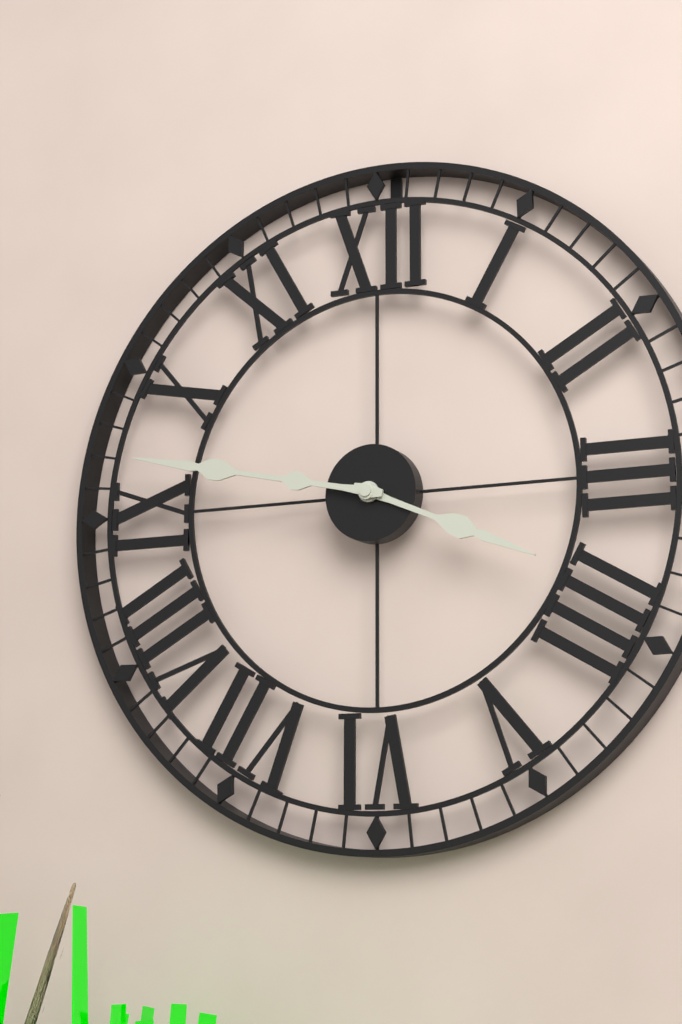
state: 3:47
